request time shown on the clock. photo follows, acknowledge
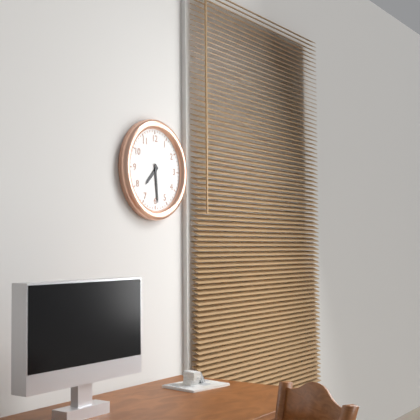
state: 7:29
